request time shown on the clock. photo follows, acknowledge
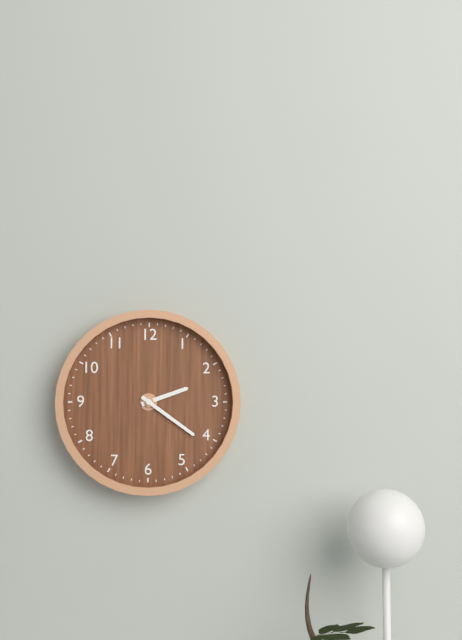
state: 2:21
